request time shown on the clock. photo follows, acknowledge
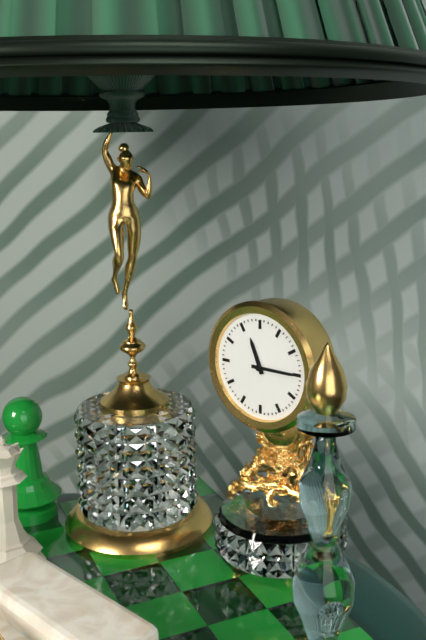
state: 11:15
